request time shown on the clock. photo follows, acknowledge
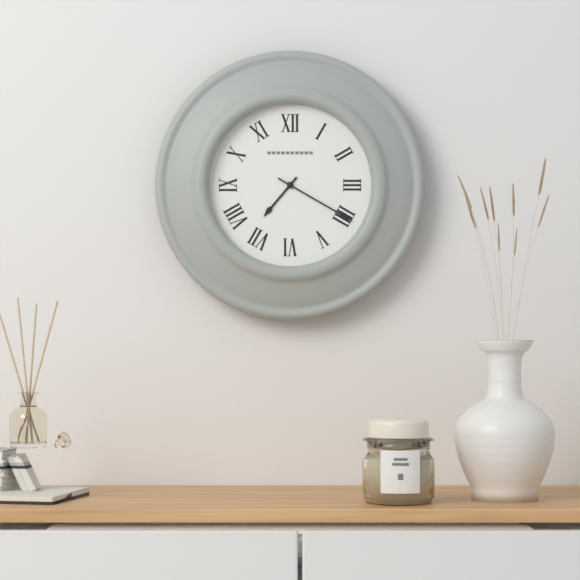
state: 7:20
